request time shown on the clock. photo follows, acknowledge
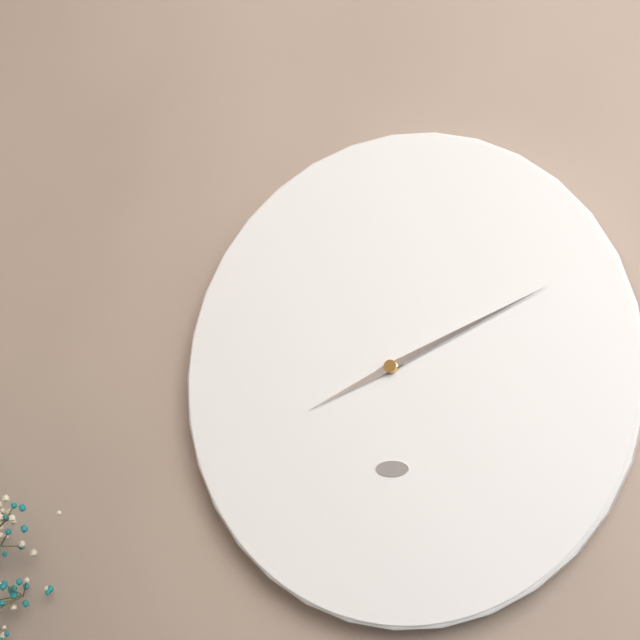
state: 8:11
